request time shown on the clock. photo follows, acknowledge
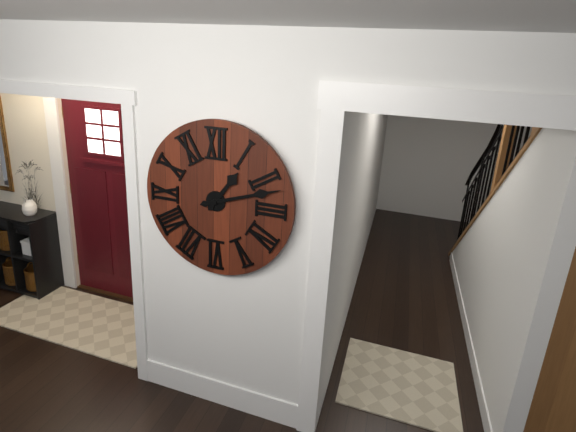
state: 1:12
